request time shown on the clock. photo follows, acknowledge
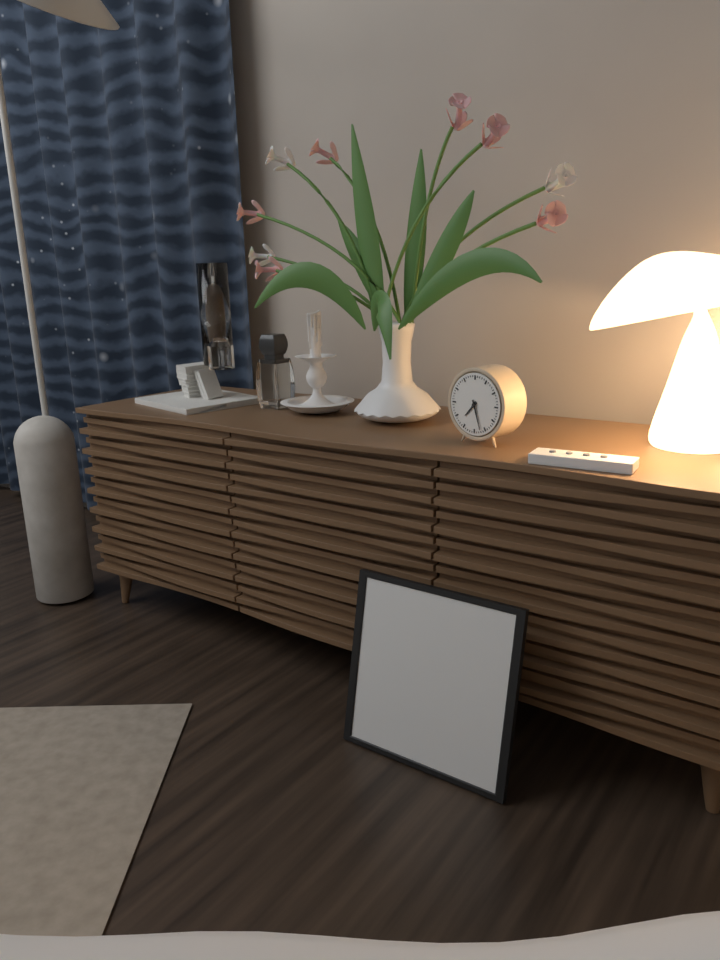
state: 7:27
